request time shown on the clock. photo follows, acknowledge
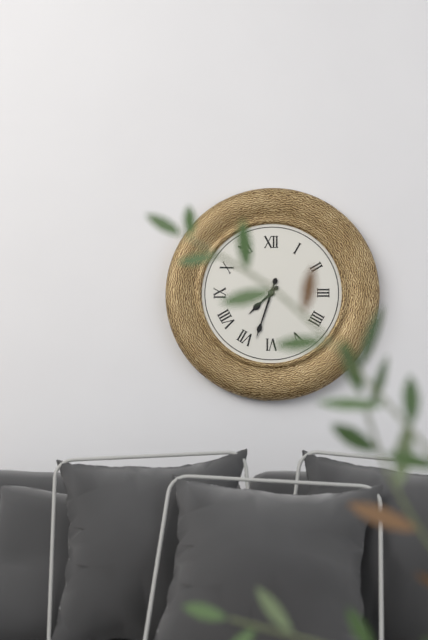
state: 7:33
